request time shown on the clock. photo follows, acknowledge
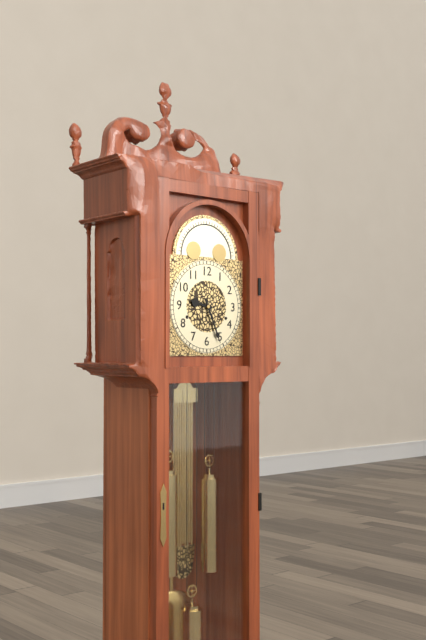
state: 9:26
